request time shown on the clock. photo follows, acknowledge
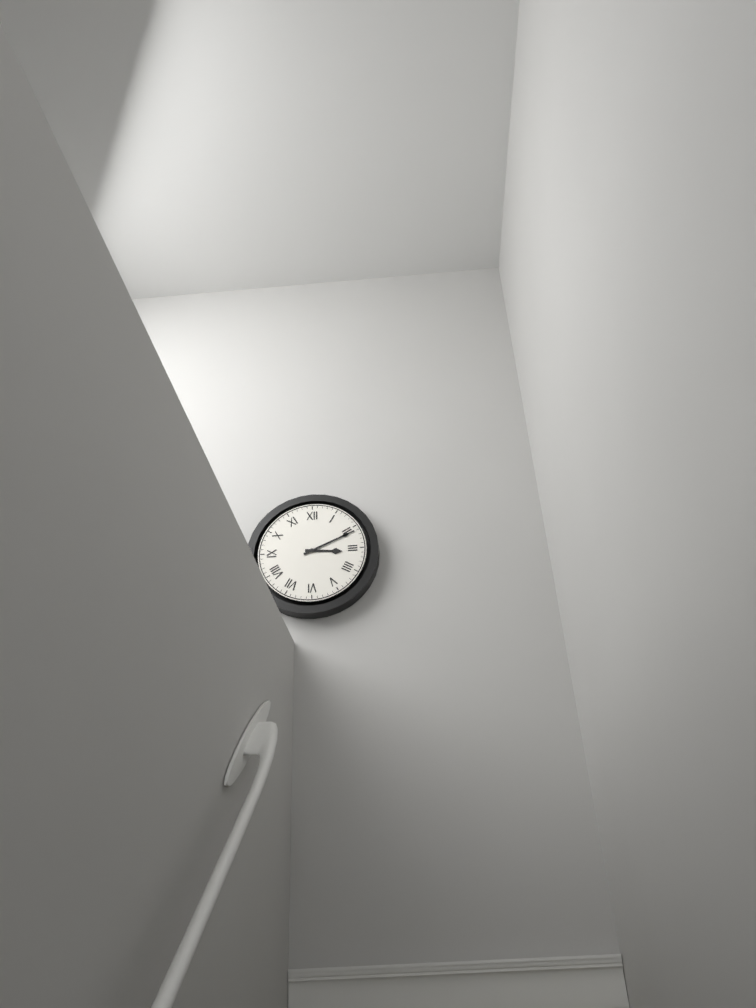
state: 3:11
